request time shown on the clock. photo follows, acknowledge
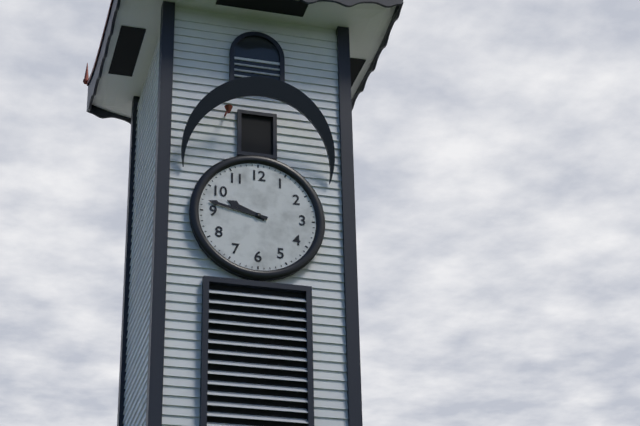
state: 9:47
